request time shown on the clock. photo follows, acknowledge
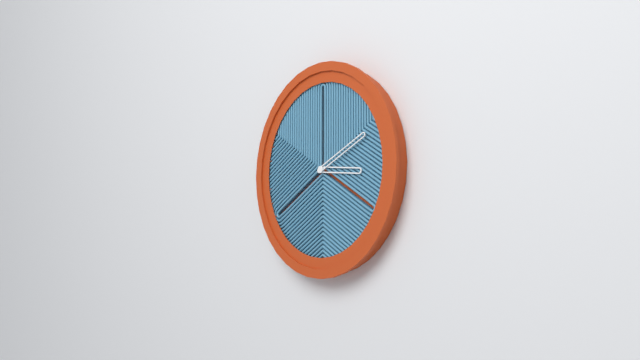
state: 3:11
